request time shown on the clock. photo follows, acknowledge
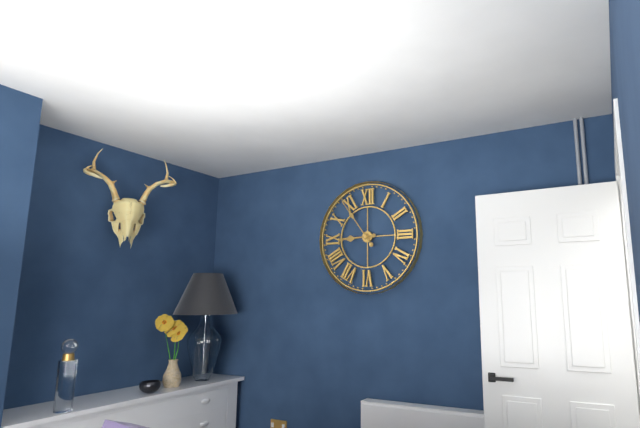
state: 8:54
